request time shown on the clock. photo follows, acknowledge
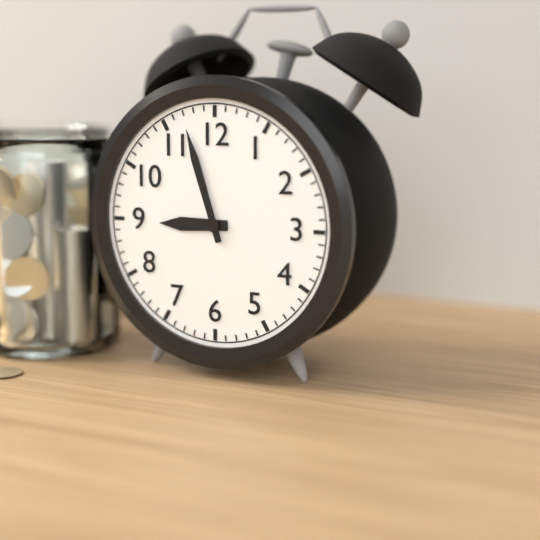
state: 8:57
